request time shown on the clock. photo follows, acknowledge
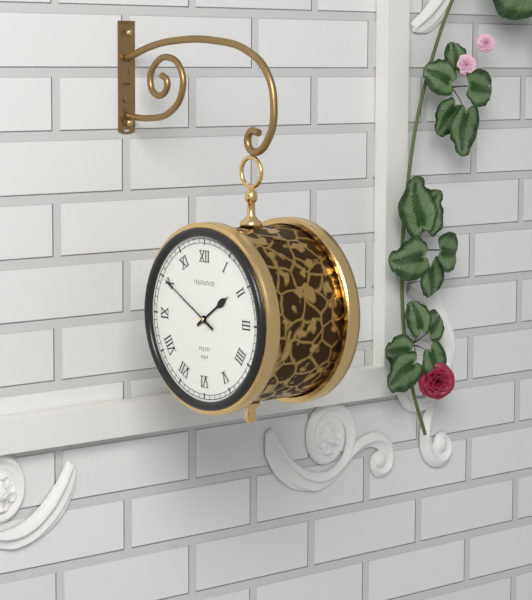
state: 1:50
